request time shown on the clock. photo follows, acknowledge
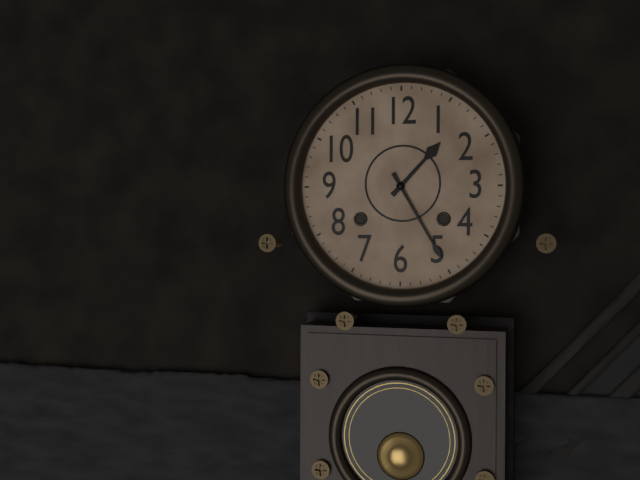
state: 1:25
